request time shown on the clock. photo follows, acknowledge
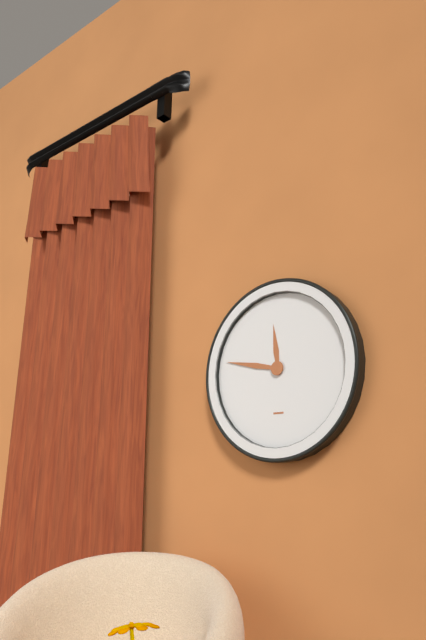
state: 11:47
